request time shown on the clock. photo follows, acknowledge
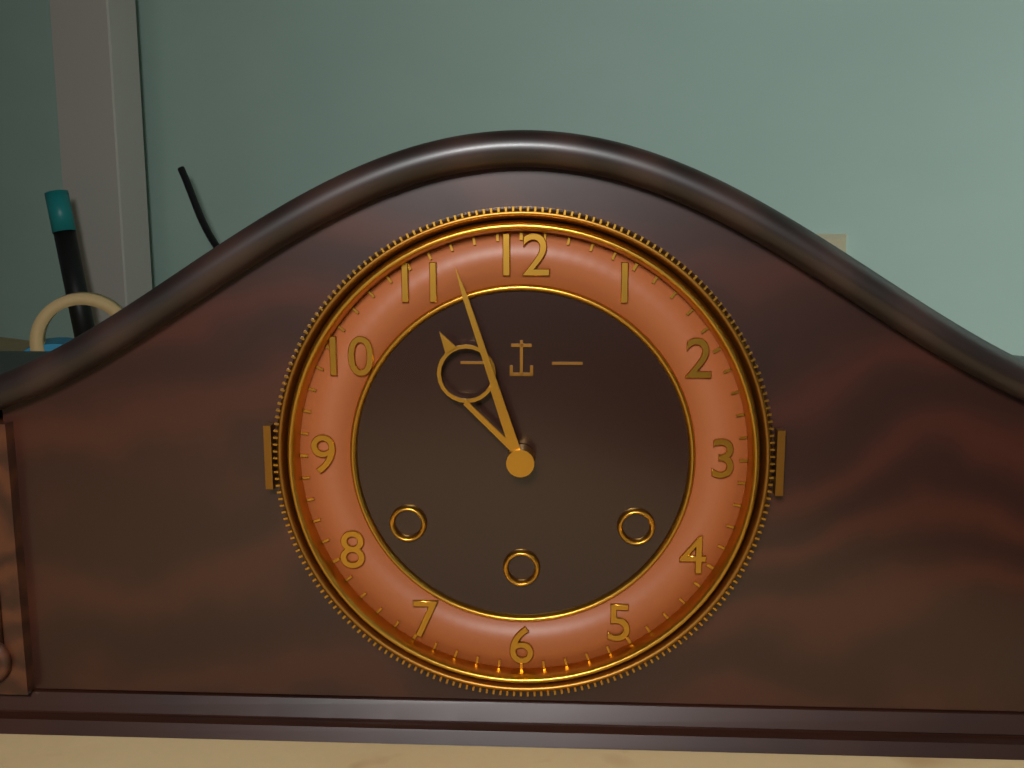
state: 10:57
